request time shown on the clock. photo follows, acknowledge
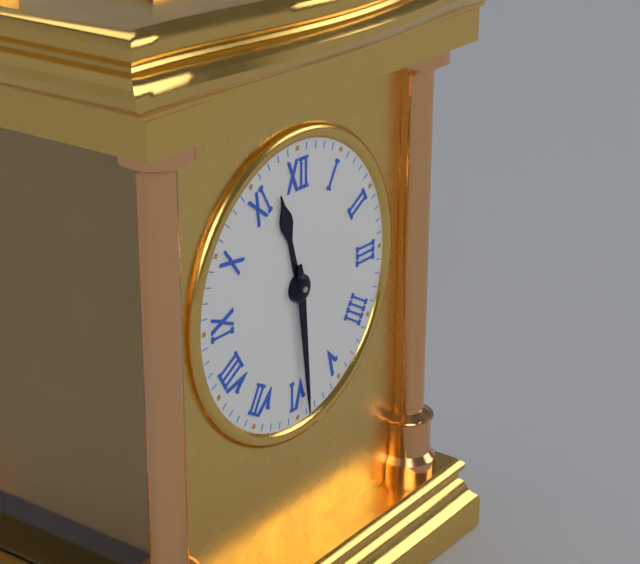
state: 11:29
